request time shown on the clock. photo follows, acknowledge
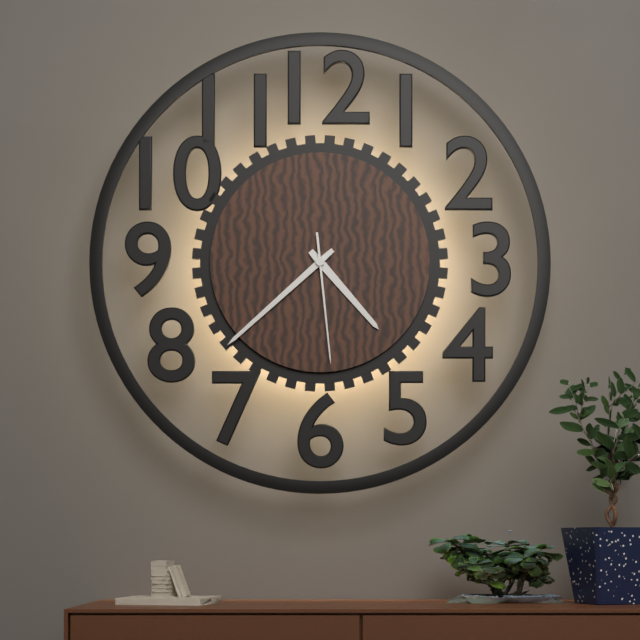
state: 4:38:29
